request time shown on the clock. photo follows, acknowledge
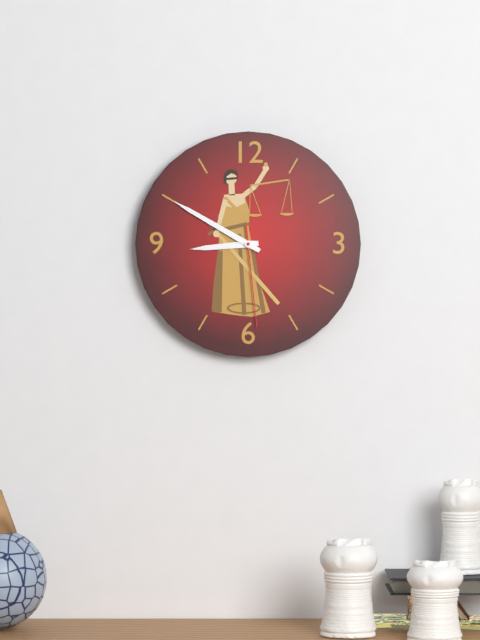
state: 8:50:29
